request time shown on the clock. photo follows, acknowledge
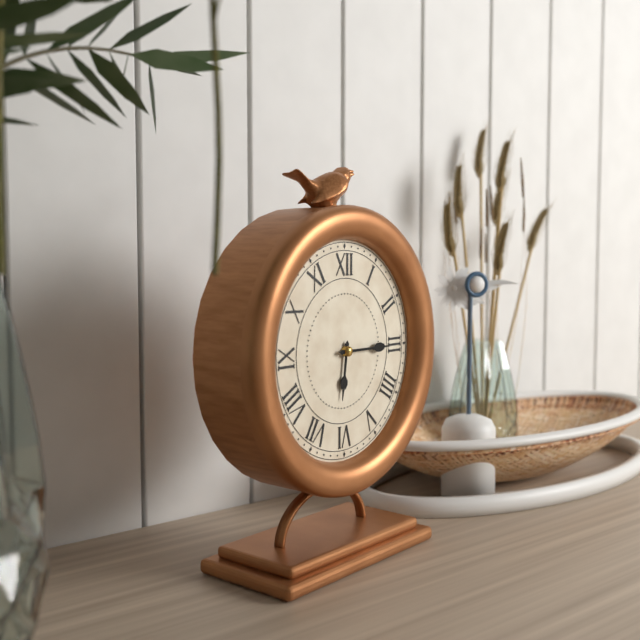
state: 6:15
